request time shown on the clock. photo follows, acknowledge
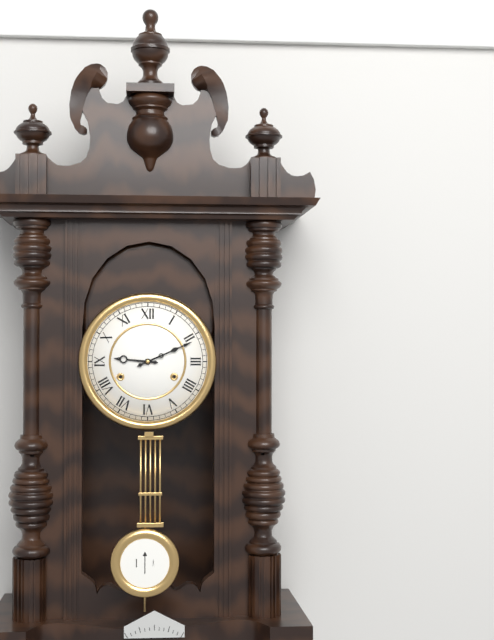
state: 9:11
